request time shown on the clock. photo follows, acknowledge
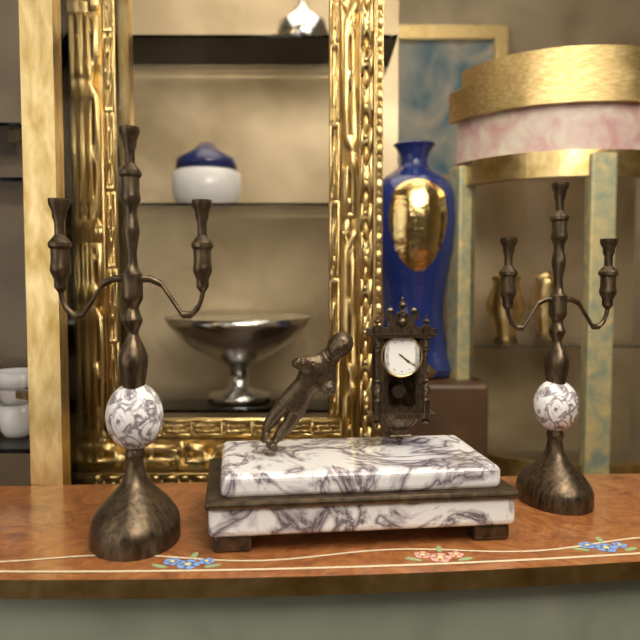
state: 4:21
